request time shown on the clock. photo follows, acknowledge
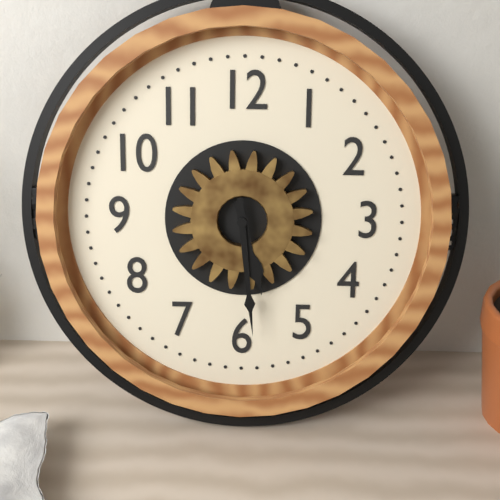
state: 5:29
